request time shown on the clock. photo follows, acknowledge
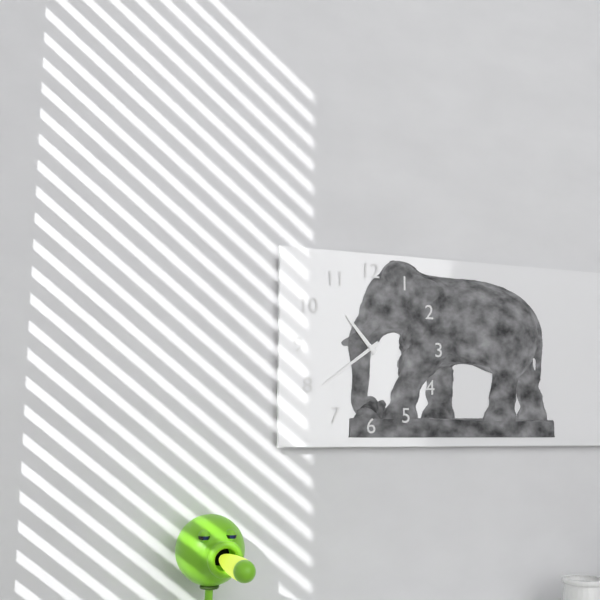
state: 10:39
